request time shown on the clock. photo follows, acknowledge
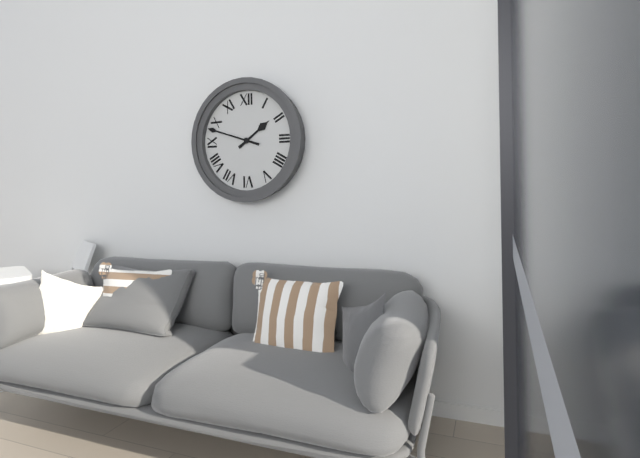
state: 1:48
